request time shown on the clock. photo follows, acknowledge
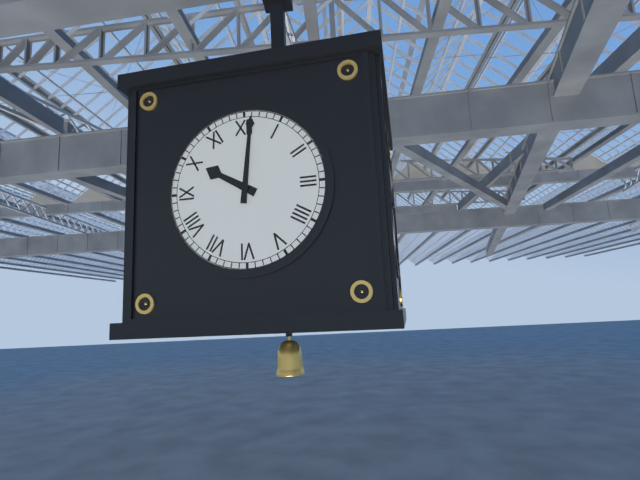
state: 10:01
